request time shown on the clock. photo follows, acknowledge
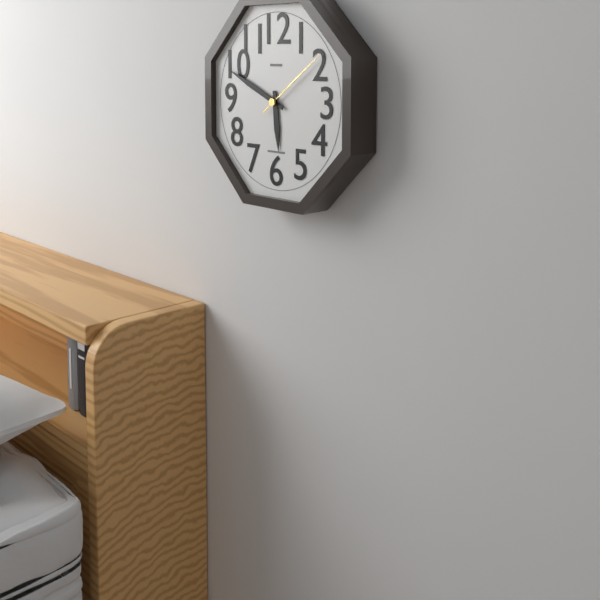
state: 5:49:09
